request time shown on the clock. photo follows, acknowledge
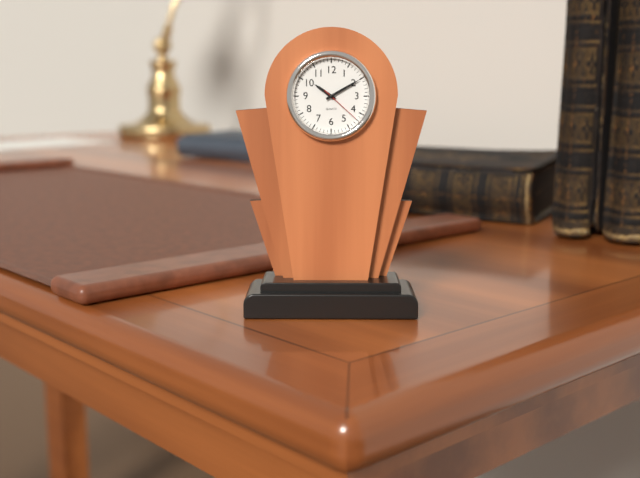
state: 10:10
